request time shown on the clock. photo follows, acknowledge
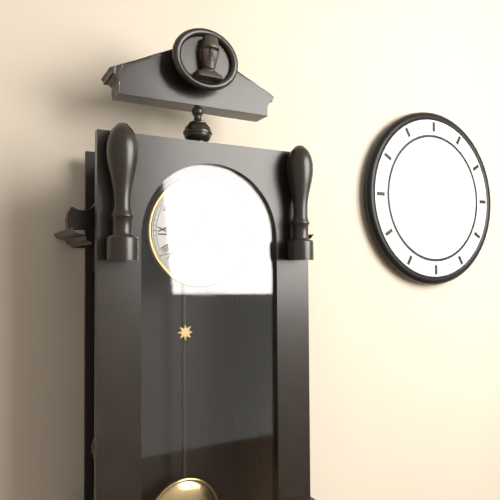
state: 12:22
